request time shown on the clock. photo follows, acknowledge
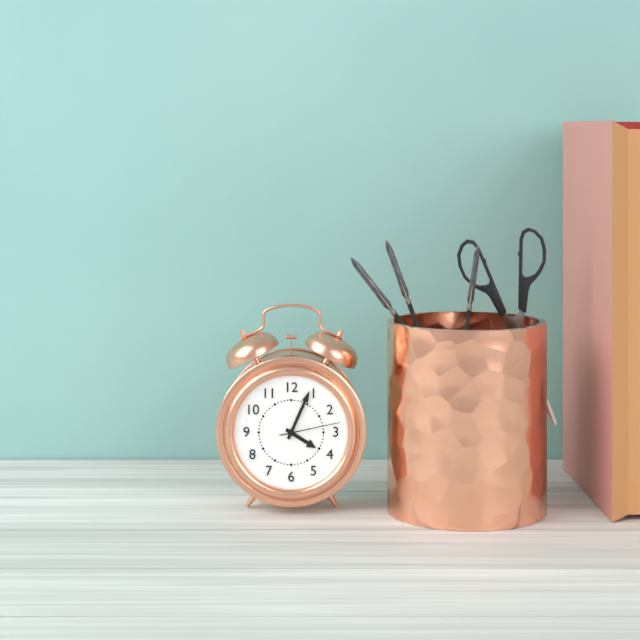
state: 4:04:13
